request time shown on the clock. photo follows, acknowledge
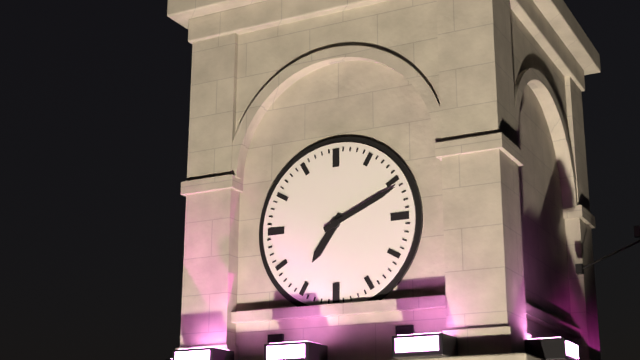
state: 7:11
